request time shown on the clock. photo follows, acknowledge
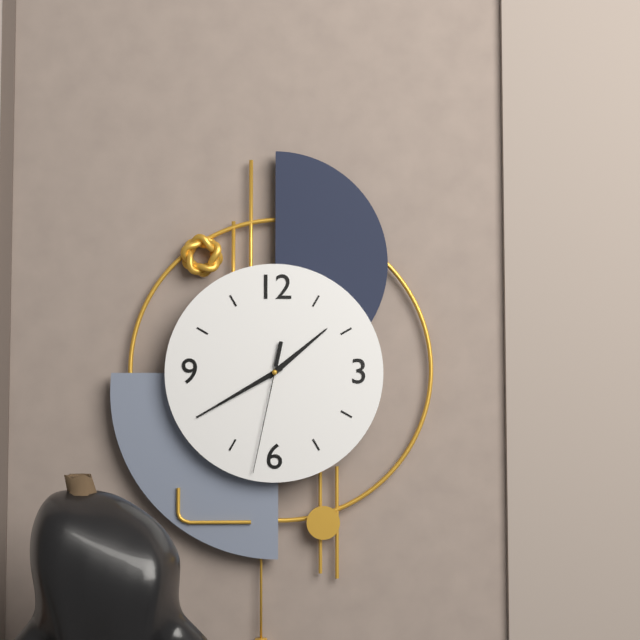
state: 1:40:32
